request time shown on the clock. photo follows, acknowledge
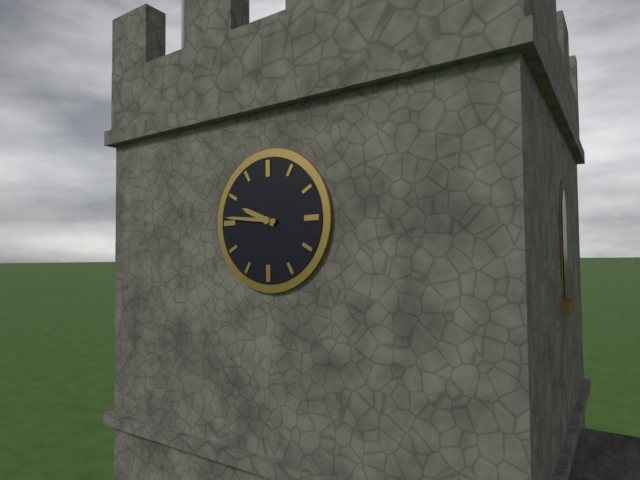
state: 9:46
